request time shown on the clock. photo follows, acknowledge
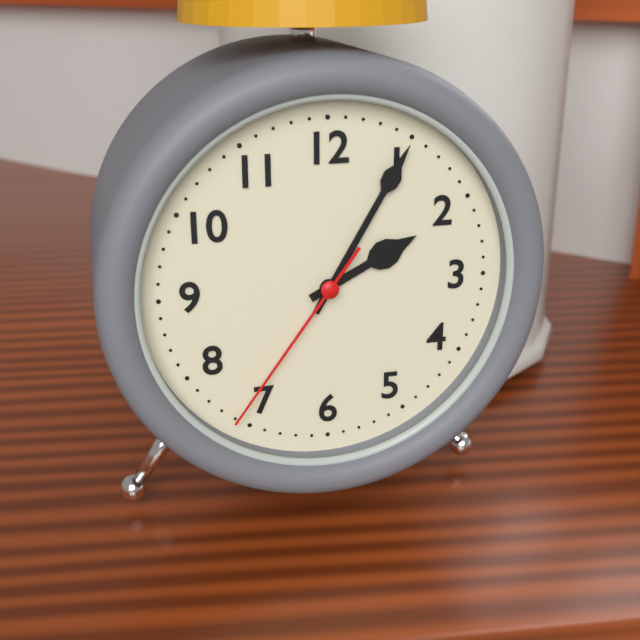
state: 2:05:36
